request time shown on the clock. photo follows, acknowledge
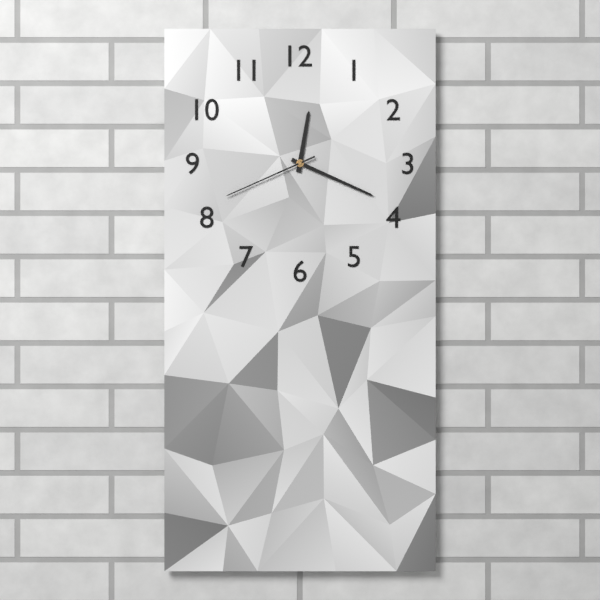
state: 12:19:41
